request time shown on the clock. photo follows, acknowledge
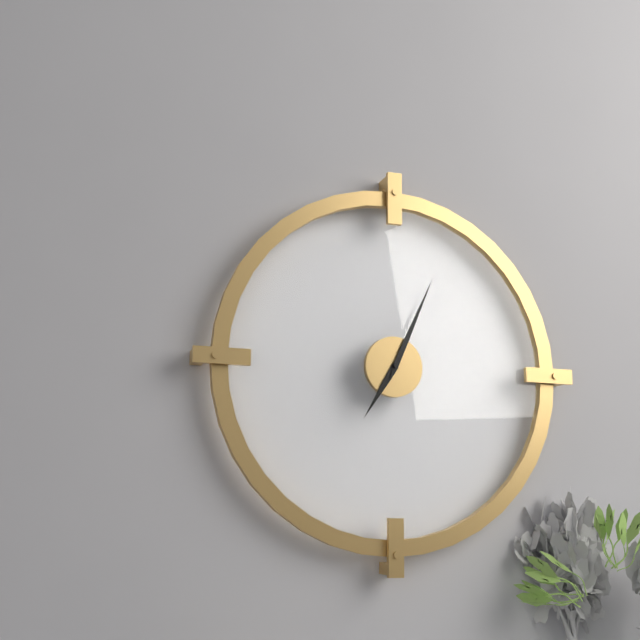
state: 7:04
